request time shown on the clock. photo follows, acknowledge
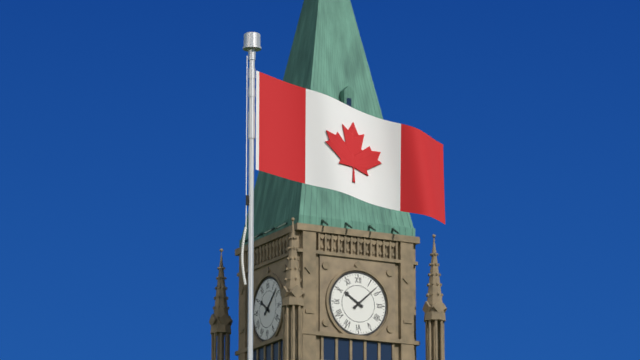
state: 10:08
